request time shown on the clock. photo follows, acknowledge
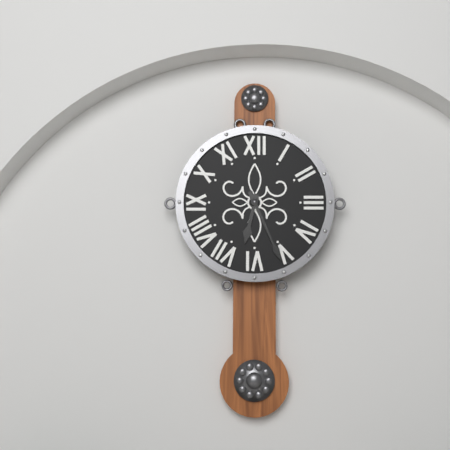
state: 6:26
